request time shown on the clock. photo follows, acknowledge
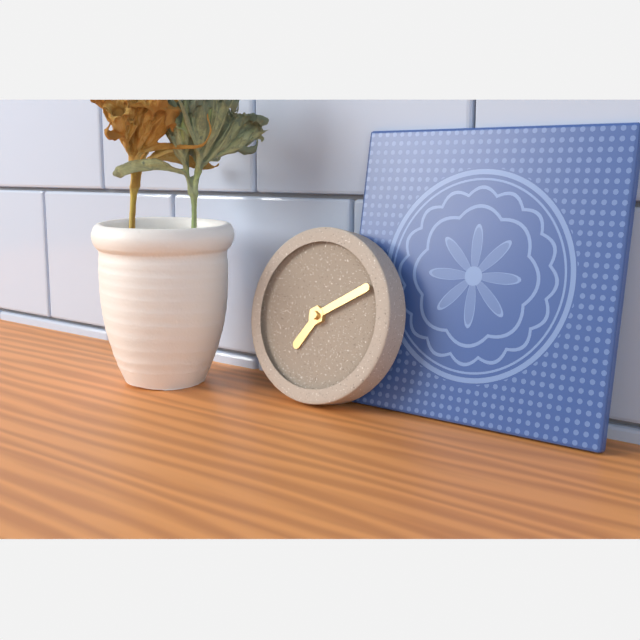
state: 7:10
